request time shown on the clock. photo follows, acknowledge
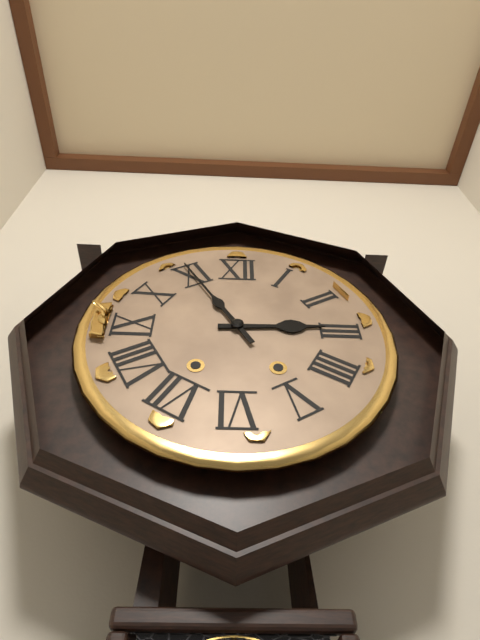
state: 2:55
